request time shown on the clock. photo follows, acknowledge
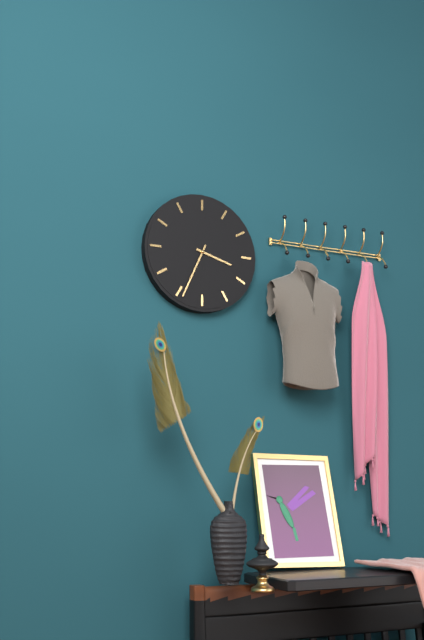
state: 3:34
